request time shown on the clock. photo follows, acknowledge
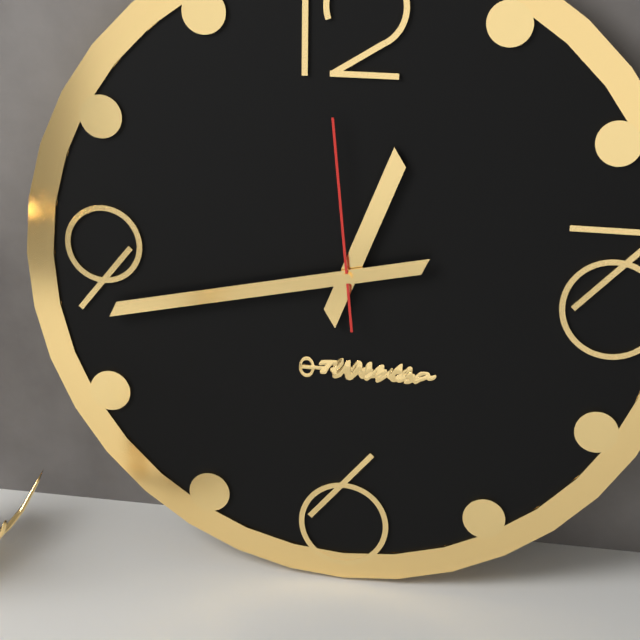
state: 12:43:59
